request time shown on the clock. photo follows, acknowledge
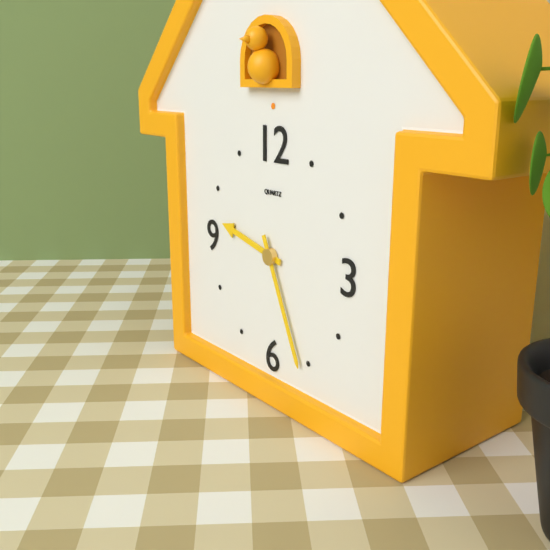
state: 9:26
